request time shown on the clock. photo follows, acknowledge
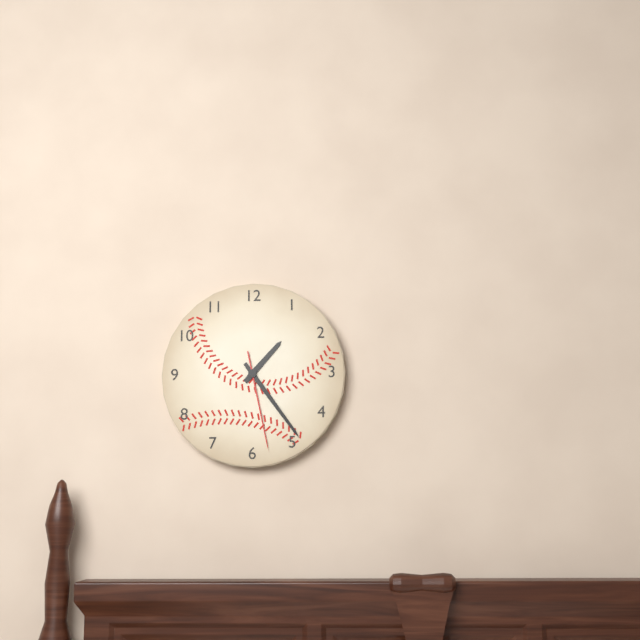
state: 1:24:28
